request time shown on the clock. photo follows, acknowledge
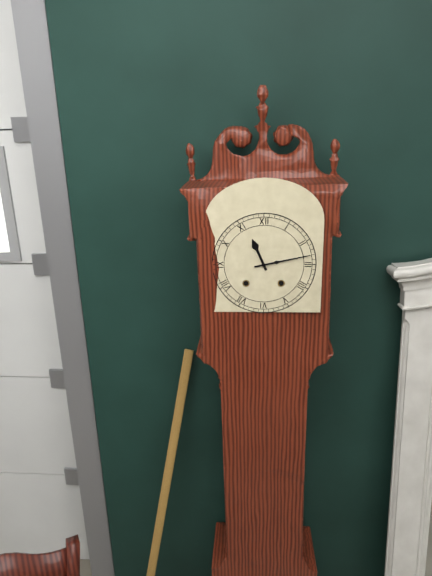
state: 11:13
